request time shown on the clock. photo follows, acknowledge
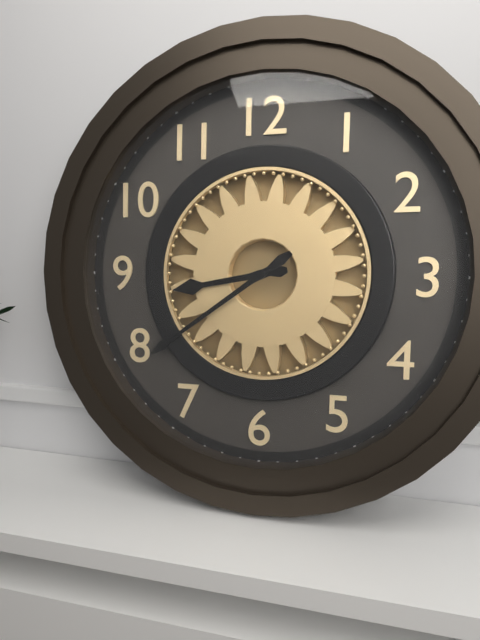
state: 8:39
